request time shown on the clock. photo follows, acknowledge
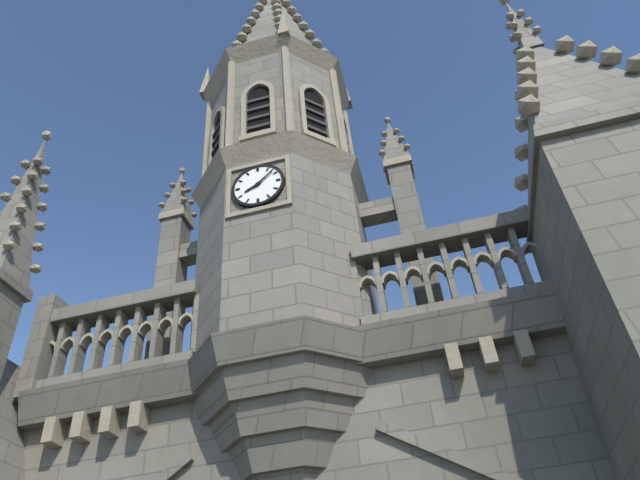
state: 8:08
